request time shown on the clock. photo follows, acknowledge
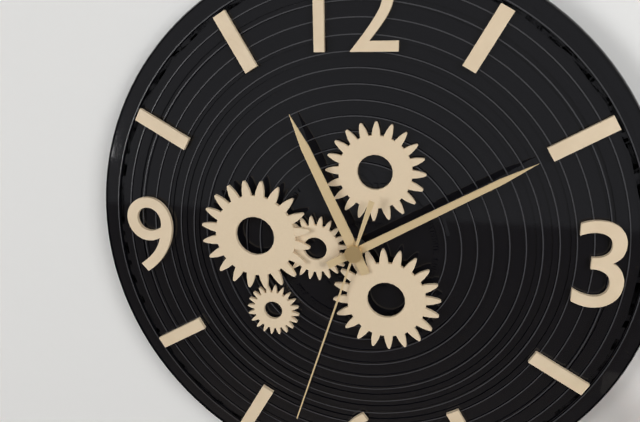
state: 11:10:33
